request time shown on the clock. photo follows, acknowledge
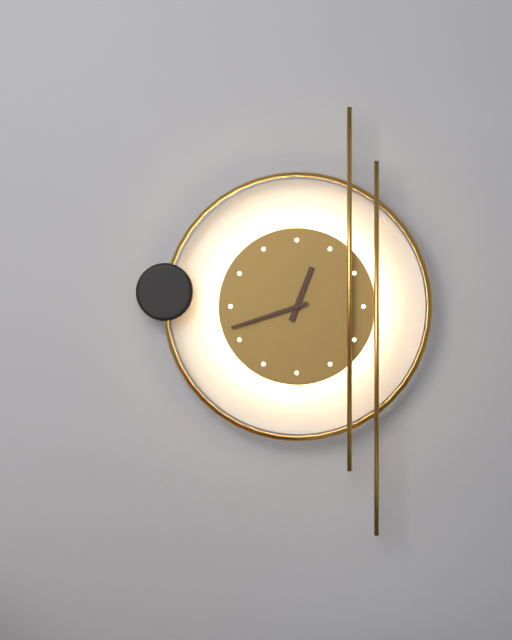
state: 12:42
